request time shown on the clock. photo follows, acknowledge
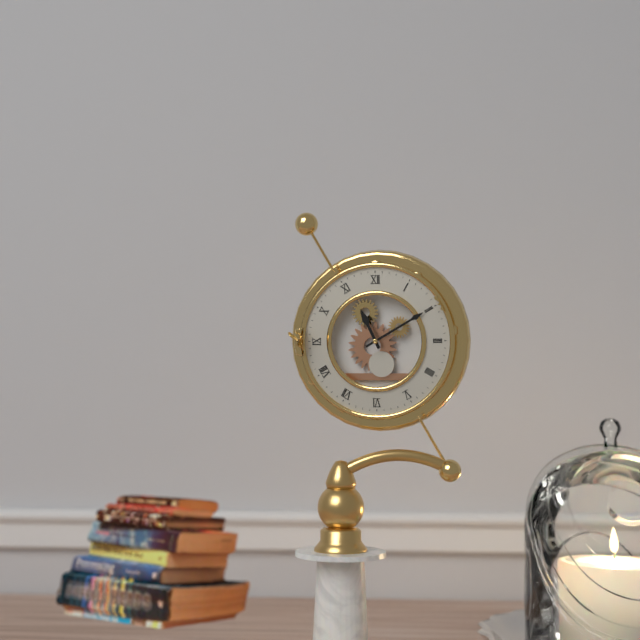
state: 11:10
